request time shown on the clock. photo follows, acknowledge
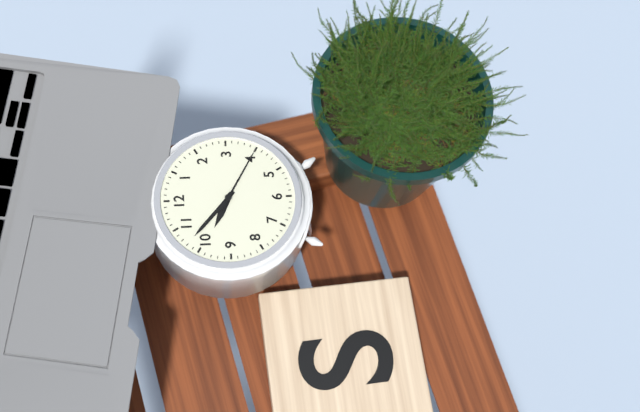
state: 9:52:20
